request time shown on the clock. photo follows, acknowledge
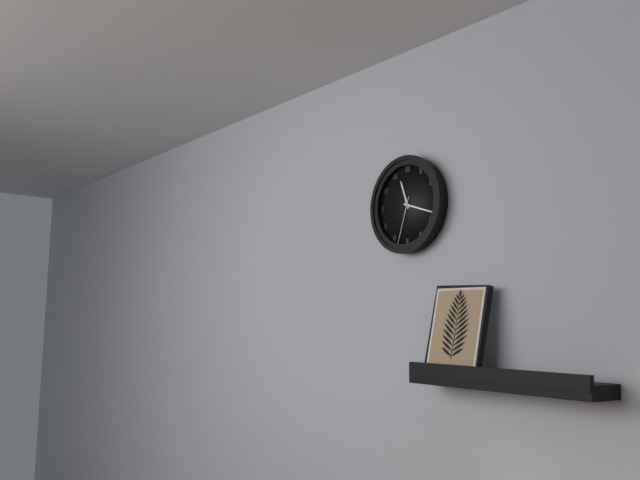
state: 11:18:33
